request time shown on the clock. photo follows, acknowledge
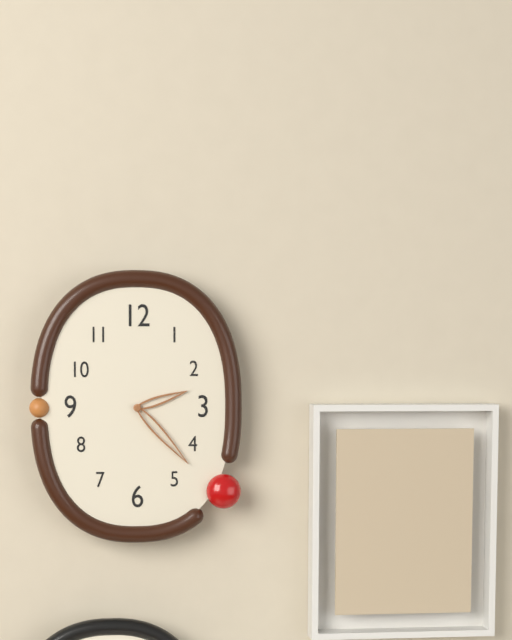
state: 2:23
